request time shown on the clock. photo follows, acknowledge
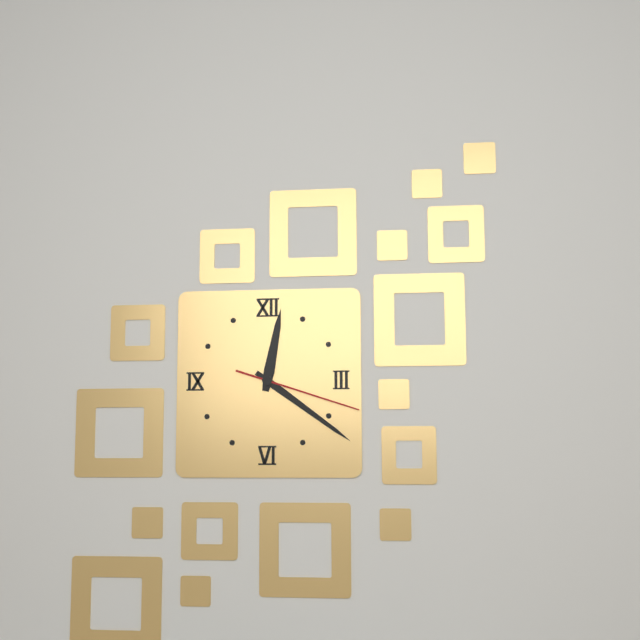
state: 12:21:18
